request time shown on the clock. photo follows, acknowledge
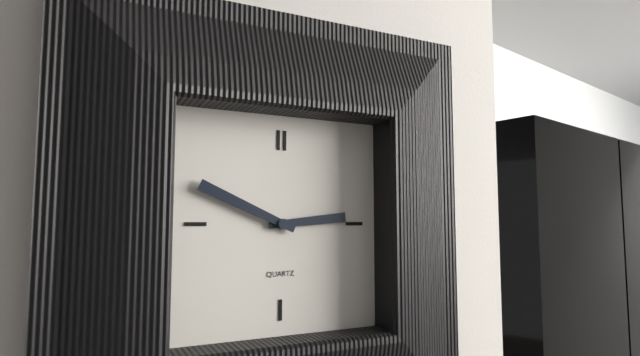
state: 2:49
